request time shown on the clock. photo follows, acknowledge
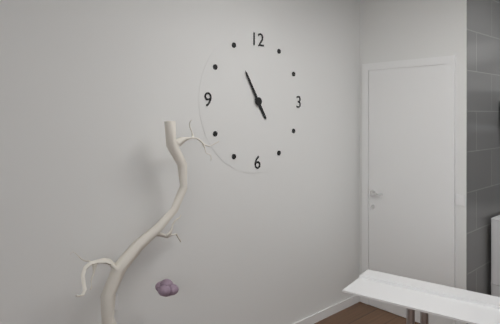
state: 4:55
